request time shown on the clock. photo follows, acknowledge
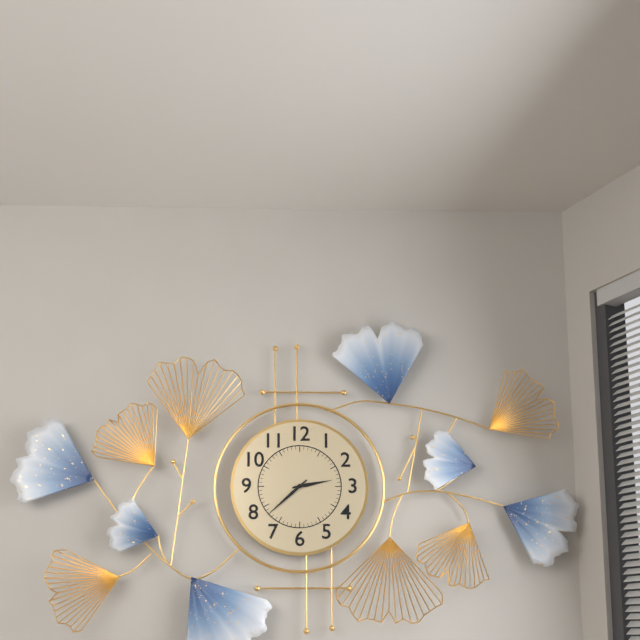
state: 2:38
